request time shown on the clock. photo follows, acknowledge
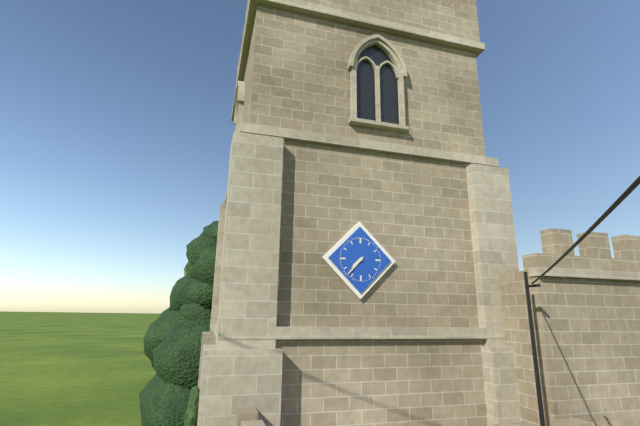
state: 7:37
